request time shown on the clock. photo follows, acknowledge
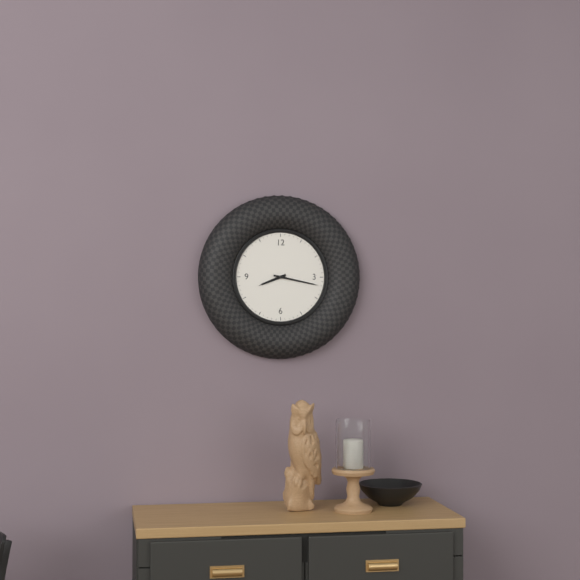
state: 8:17
